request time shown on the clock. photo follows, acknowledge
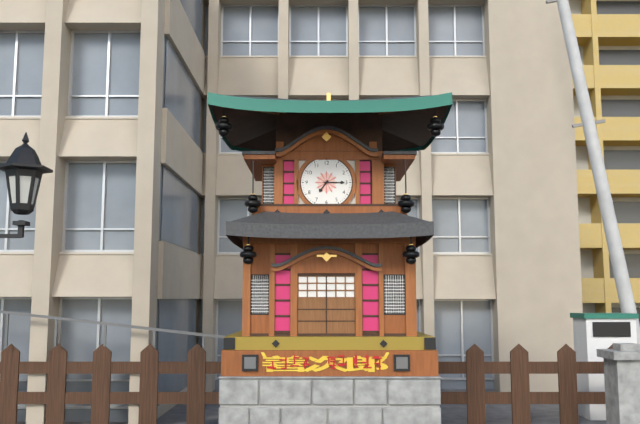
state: 7:15
